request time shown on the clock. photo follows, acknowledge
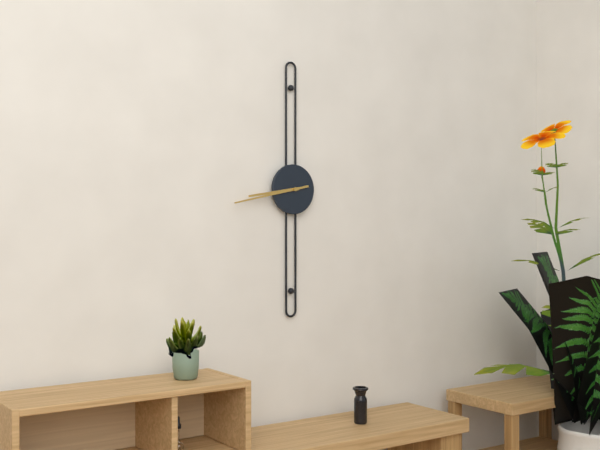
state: 8:43
